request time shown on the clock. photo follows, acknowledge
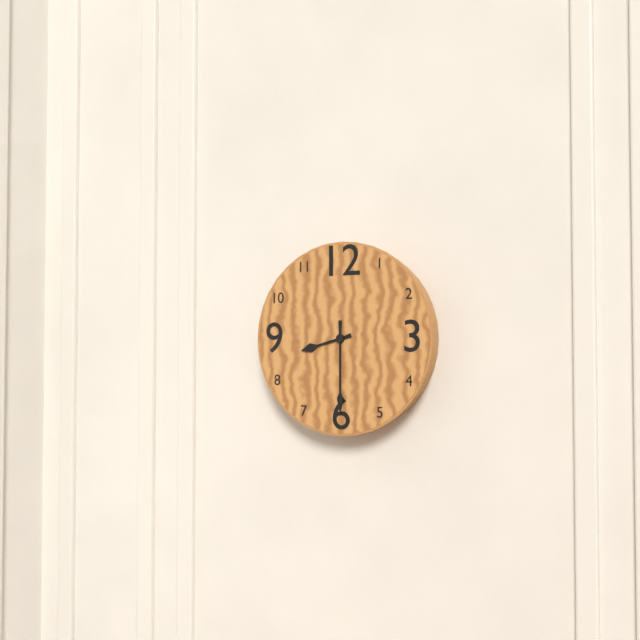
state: 8:30
